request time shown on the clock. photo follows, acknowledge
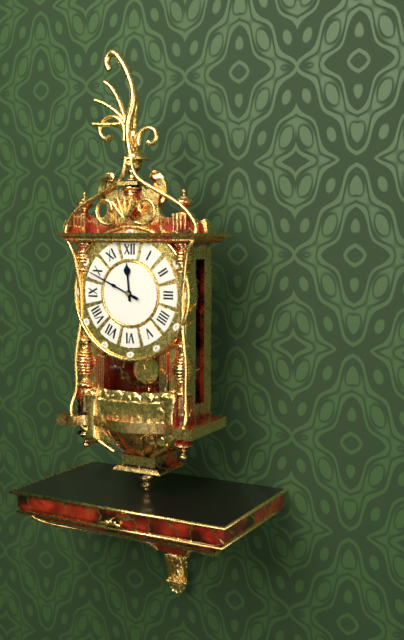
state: 11:49
